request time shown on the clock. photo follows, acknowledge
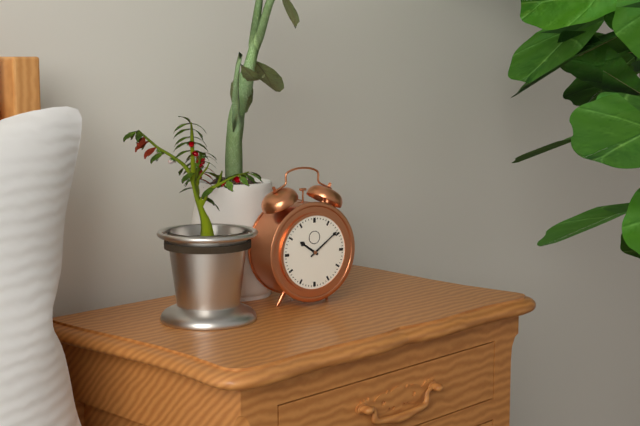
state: 10:09
